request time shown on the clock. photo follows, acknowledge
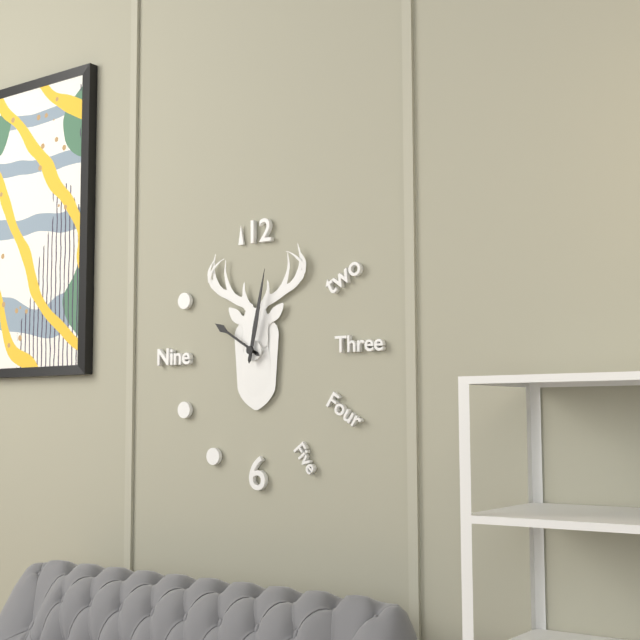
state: 10:02
